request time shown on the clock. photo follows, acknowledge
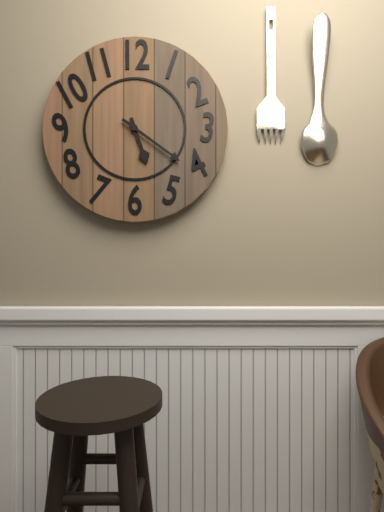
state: 5:21
